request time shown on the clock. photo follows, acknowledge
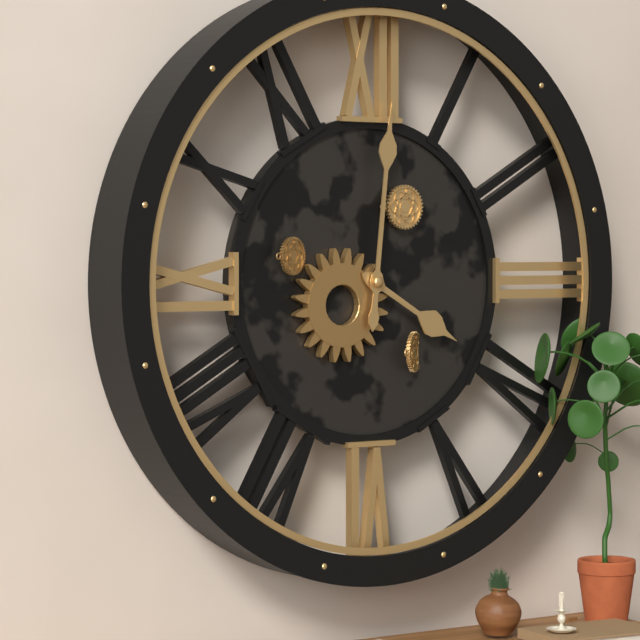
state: 4:01
